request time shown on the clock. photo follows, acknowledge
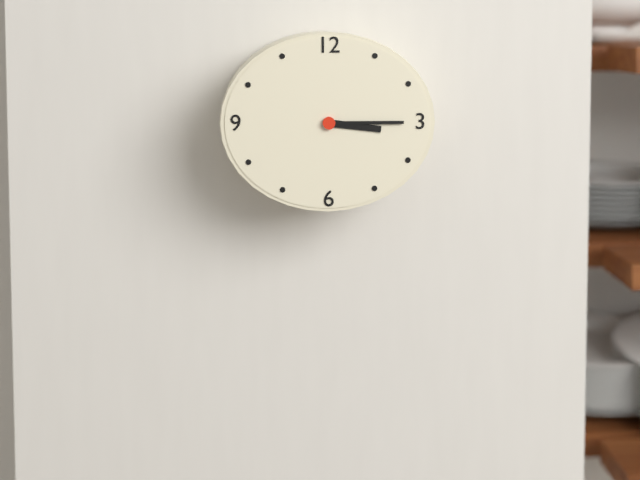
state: 3:15
